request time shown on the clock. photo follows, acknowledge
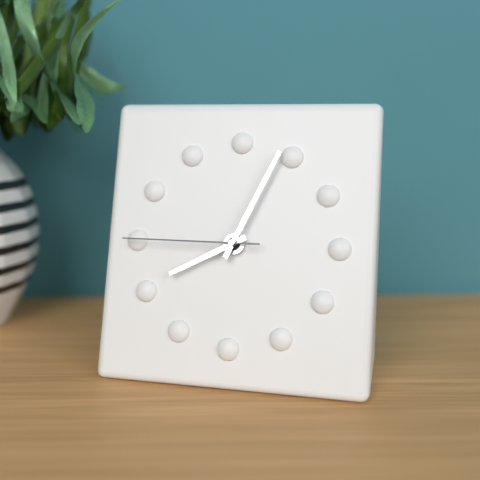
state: 8:04:45
